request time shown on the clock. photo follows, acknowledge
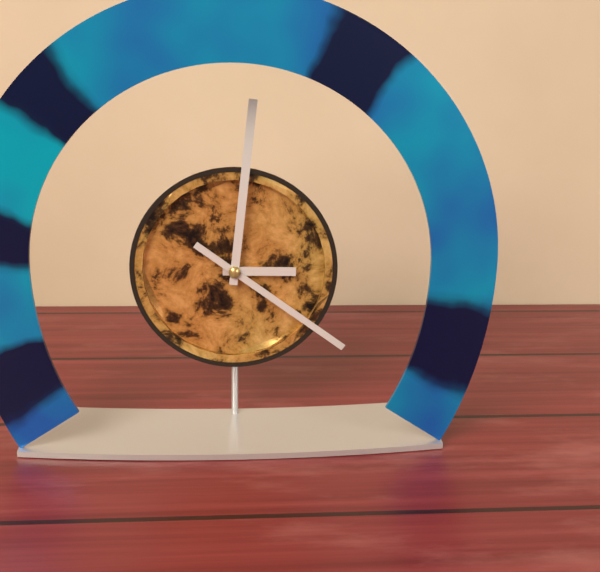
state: 3:01:21
